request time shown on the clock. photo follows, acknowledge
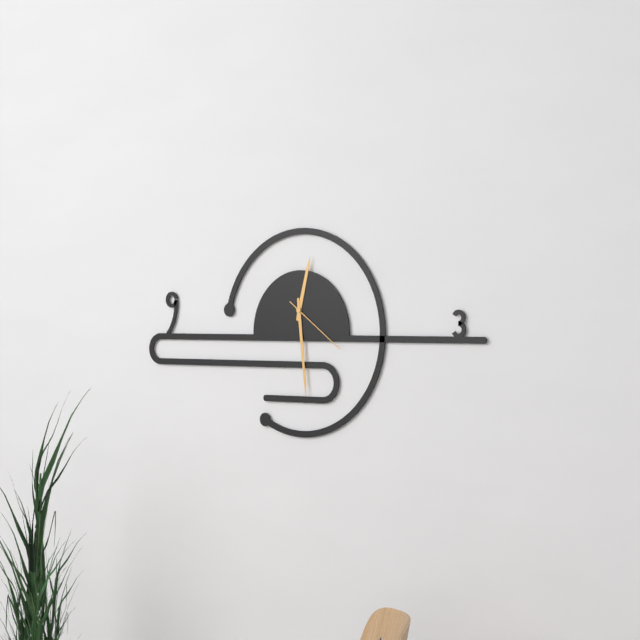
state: 12:29:21
